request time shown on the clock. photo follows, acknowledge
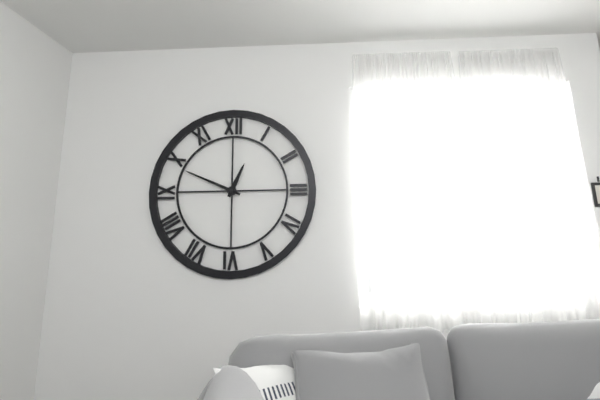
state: 12:49
